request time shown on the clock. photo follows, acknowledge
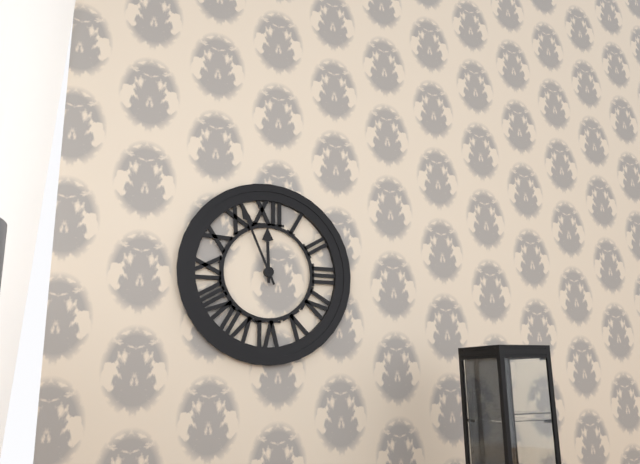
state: 11:56
